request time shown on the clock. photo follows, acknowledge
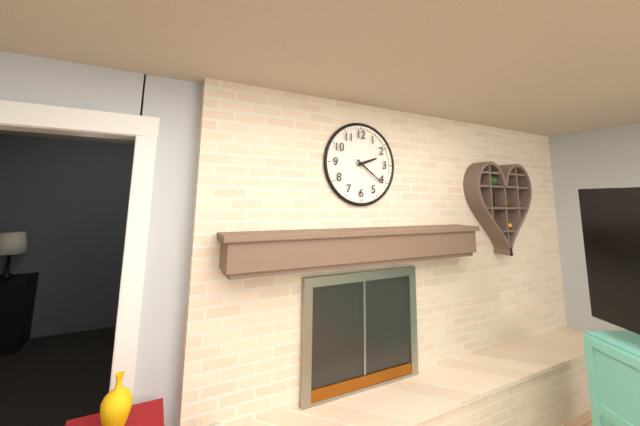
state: 2:21
